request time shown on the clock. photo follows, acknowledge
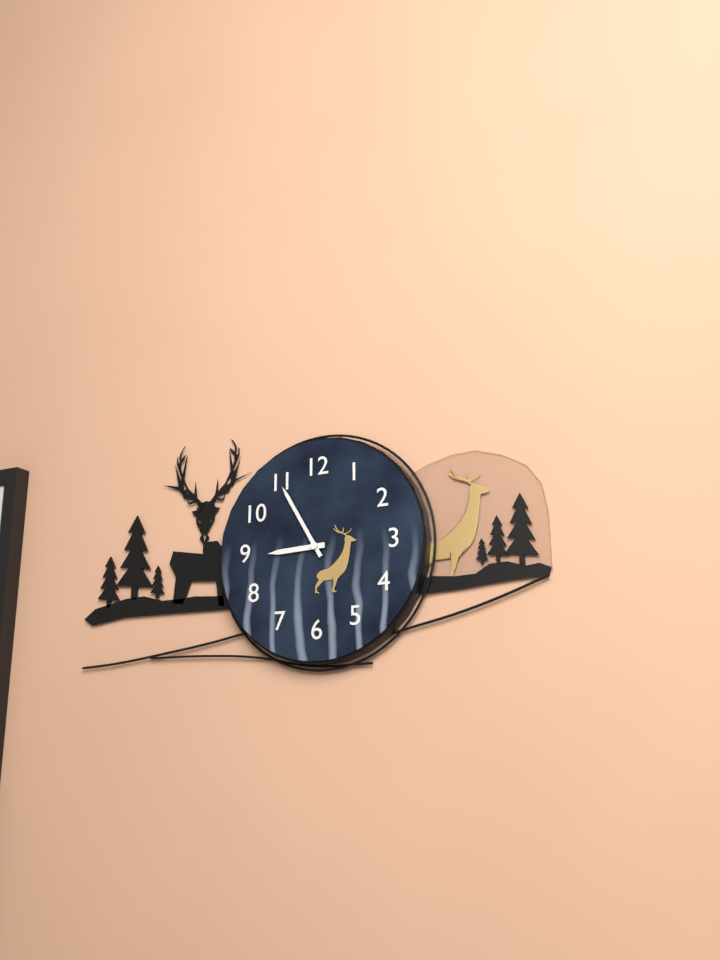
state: 8:55
